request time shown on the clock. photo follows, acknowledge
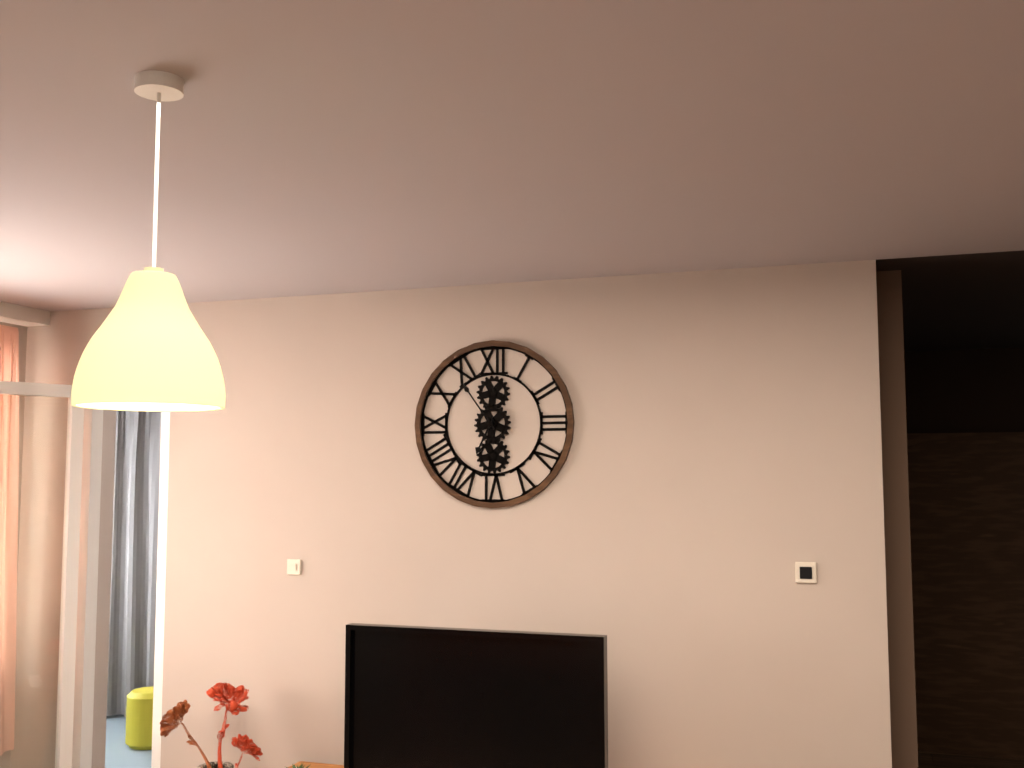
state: 6:54
